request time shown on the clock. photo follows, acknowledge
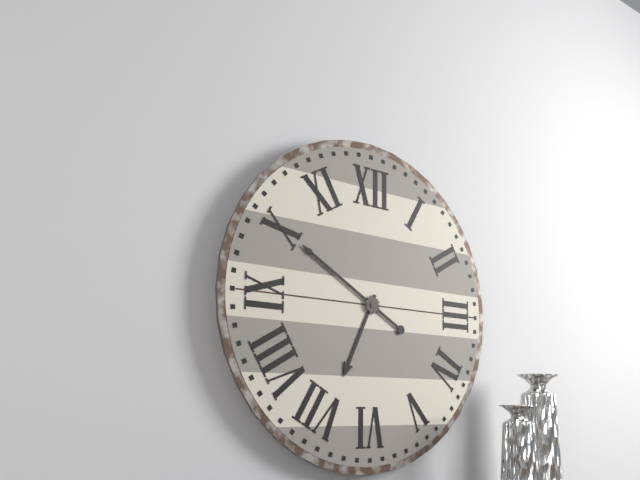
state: 6:50
